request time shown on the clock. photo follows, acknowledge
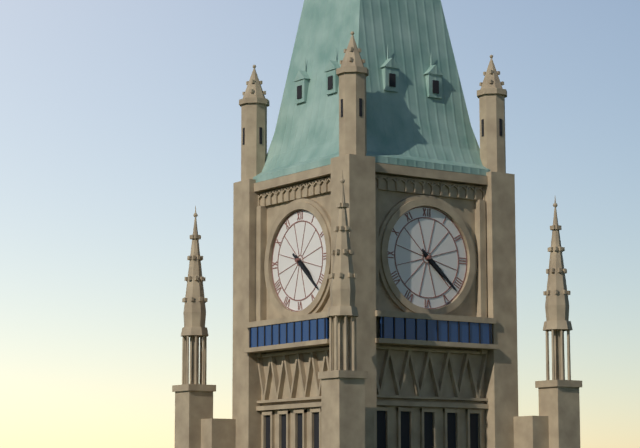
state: 4:22
